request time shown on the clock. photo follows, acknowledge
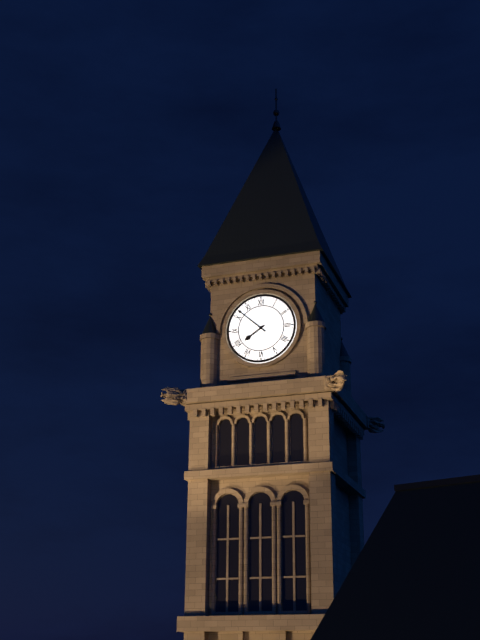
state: 7:52
